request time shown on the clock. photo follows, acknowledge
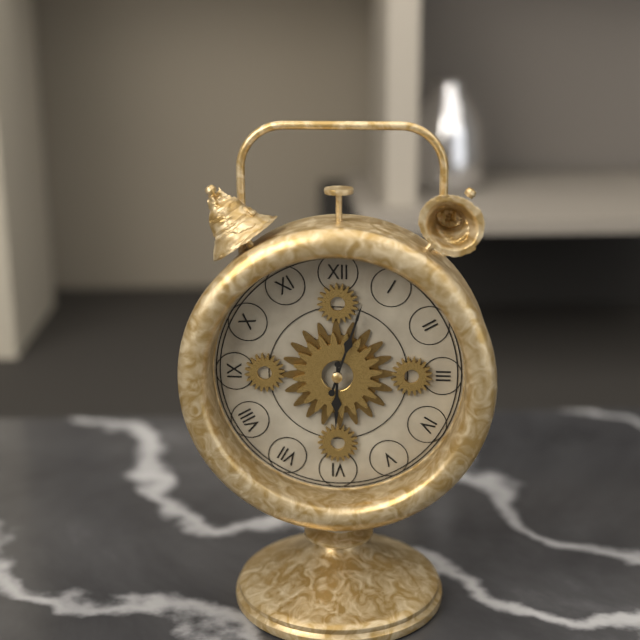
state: 6:03
